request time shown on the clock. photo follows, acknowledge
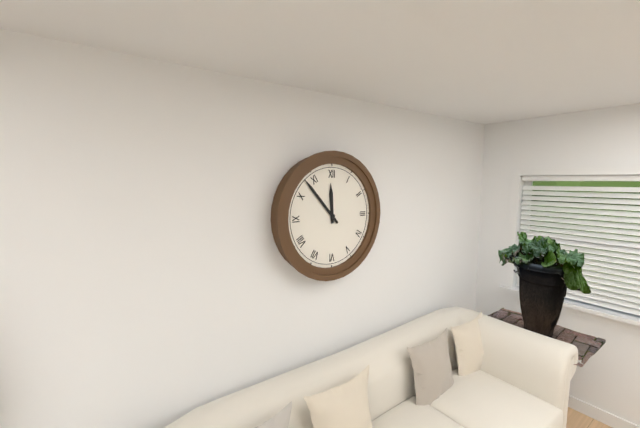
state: 11:53
